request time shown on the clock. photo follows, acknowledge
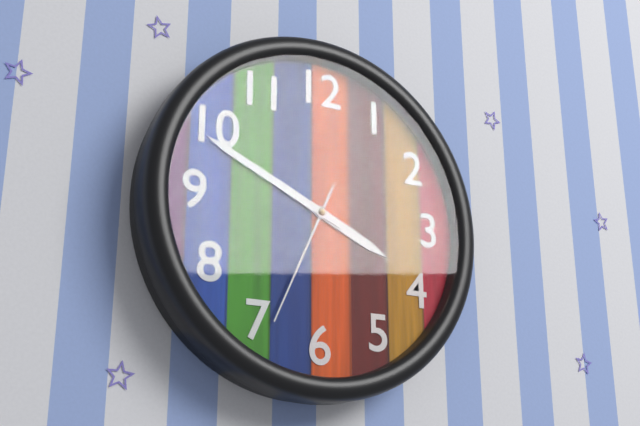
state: 3:49:34
